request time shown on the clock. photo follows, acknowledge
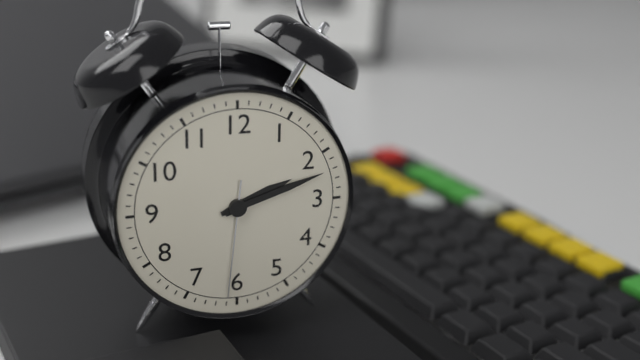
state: 2:12:31
